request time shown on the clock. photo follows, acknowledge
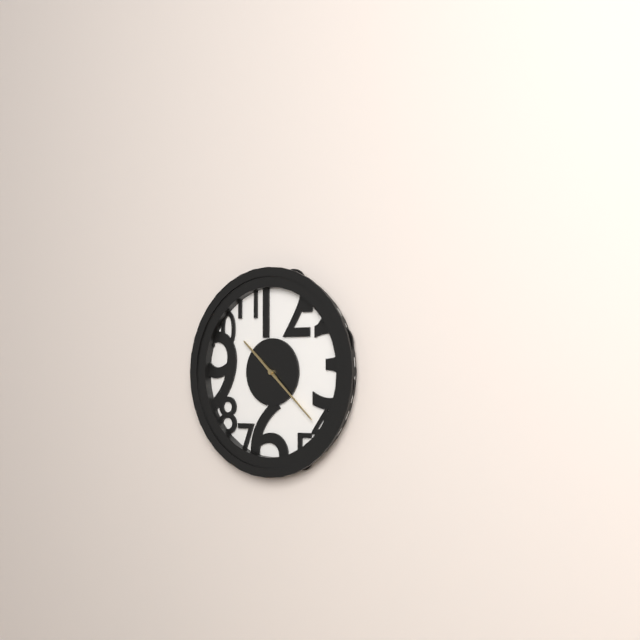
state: 10:22
